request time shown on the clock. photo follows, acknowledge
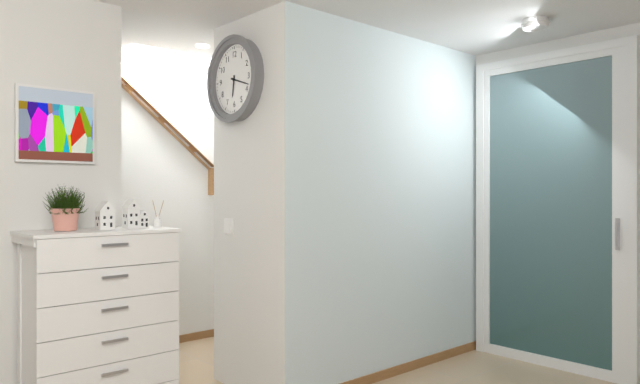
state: 6:18
